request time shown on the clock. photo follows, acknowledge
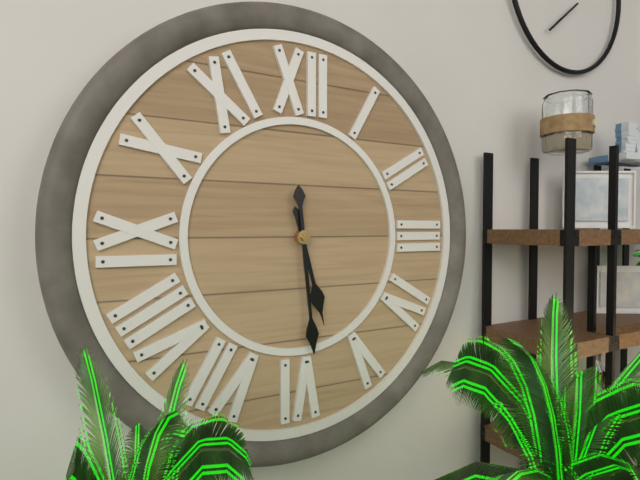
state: 5:29
